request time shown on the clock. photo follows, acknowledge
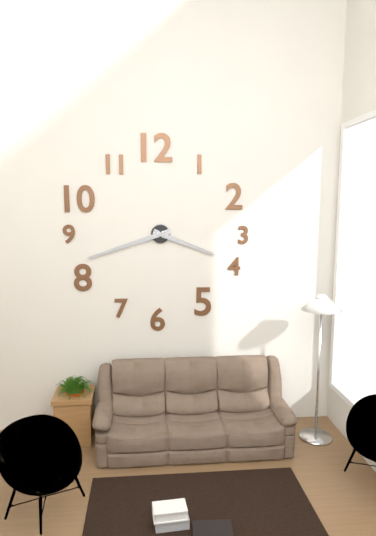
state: 3:42
